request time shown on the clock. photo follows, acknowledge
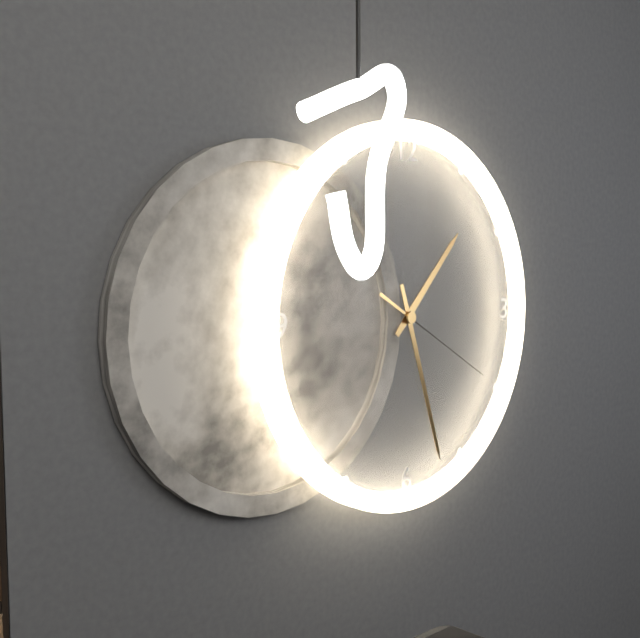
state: 1:27:20
